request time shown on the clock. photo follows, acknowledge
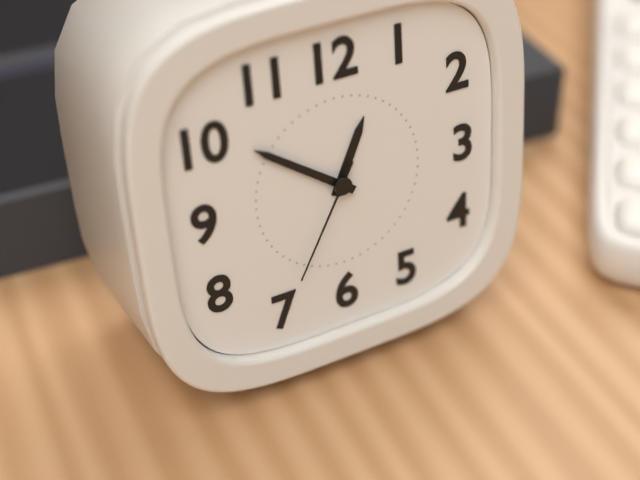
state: 12:51:35
